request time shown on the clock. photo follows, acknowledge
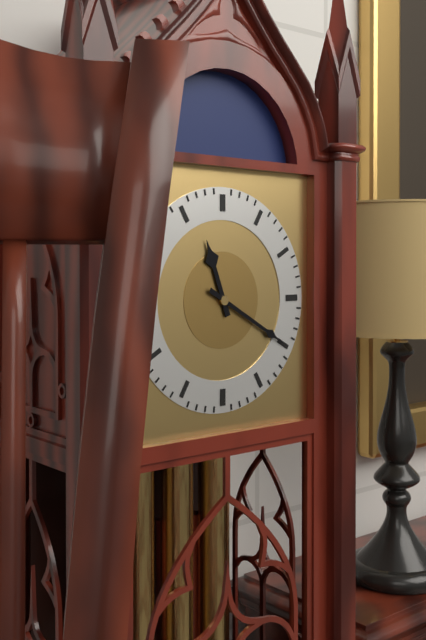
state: 11:20
